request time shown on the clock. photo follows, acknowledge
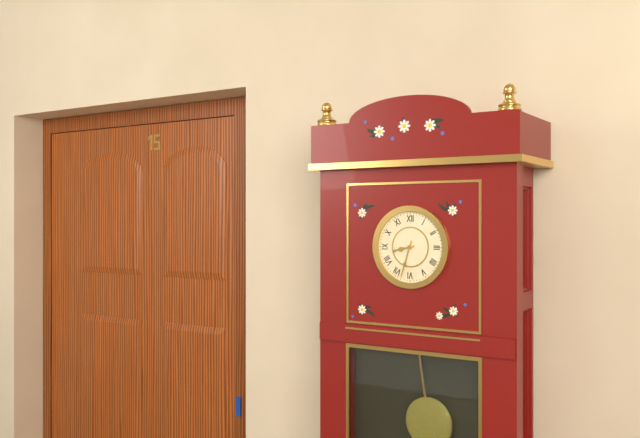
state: 8:33
